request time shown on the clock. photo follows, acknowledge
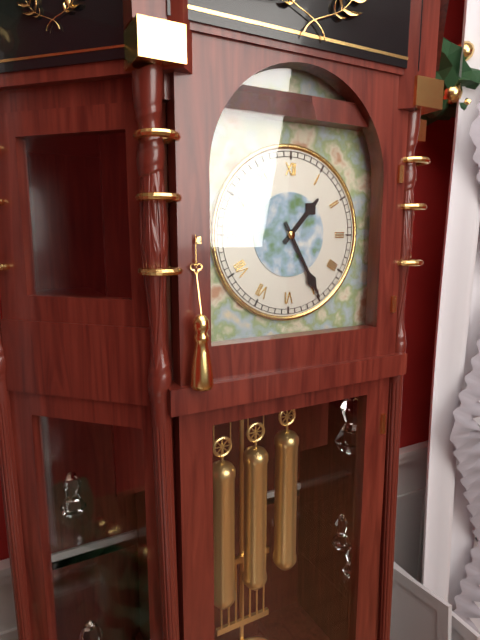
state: 1:25
